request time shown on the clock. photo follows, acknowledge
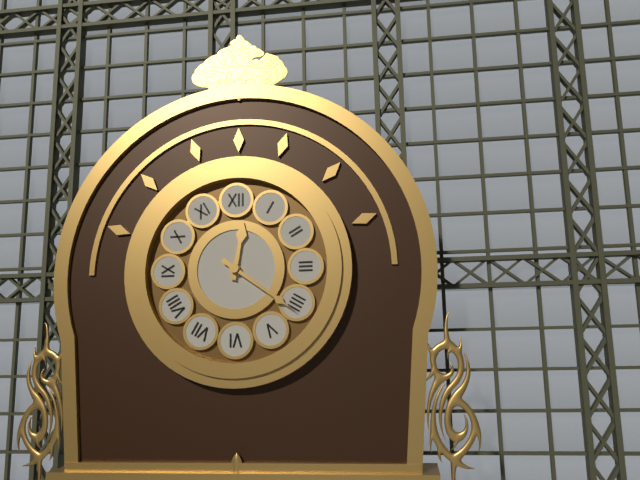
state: 12:21
